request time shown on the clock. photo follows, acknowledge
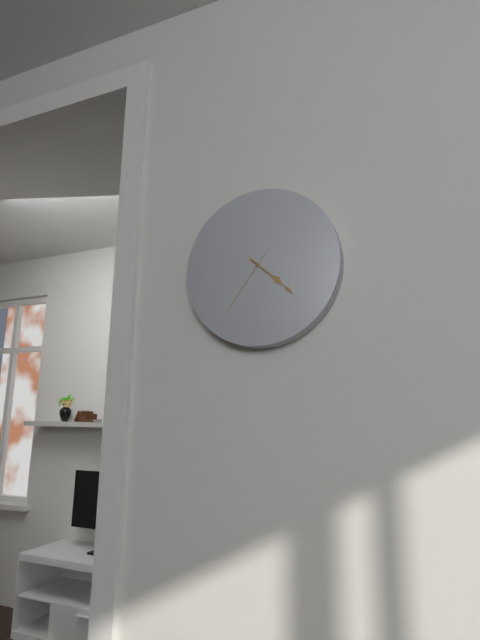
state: 4:22:36
